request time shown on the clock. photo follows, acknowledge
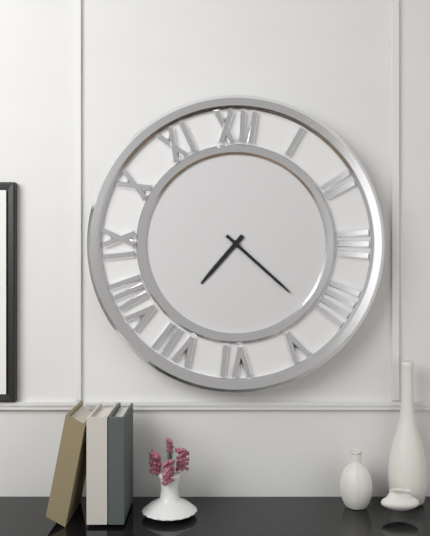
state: 7:22
